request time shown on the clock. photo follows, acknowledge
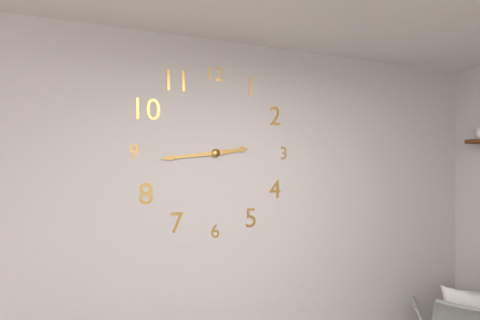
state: 2:44
